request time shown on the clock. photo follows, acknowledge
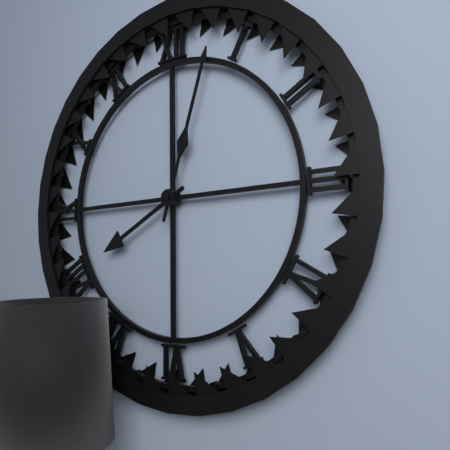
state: 8:03
